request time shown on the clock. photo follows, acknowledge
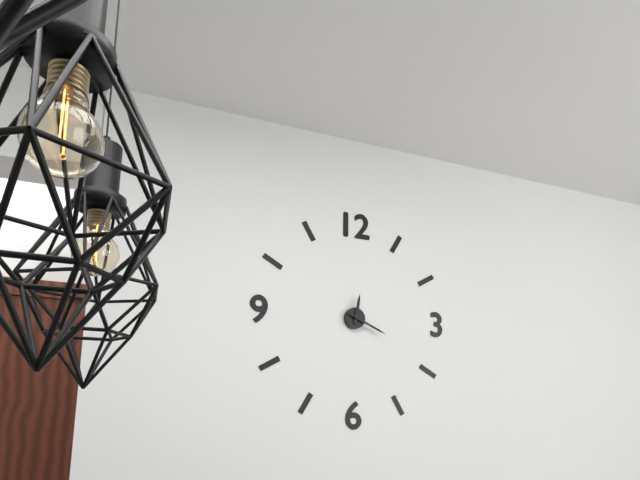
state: 12:19
